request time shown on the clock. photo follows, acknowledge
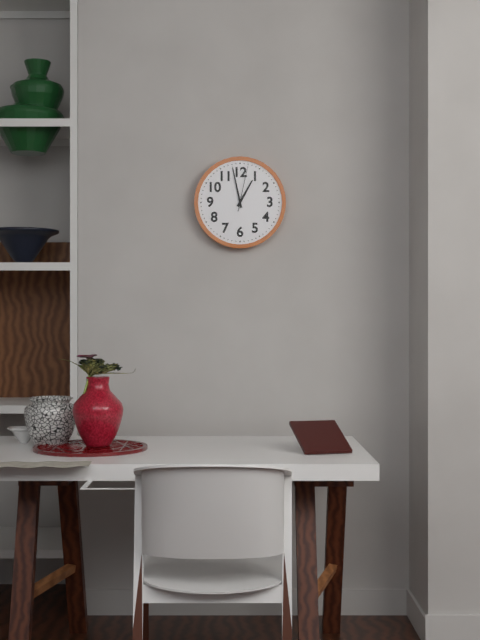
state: 12:58
